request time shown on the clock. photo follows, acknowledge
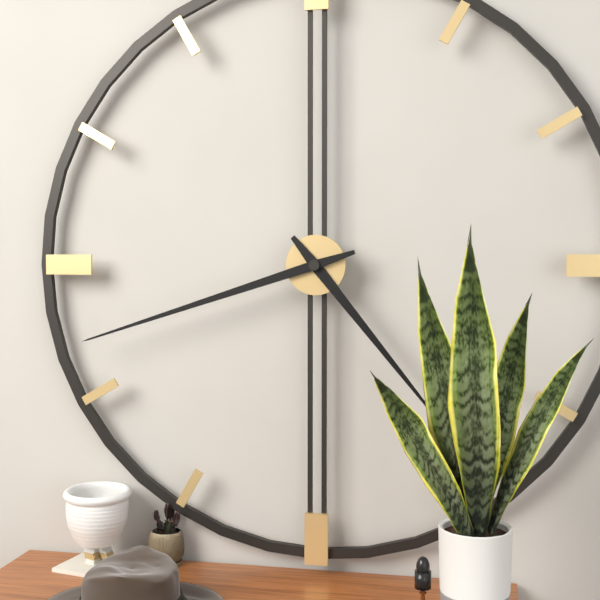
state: 4:42
